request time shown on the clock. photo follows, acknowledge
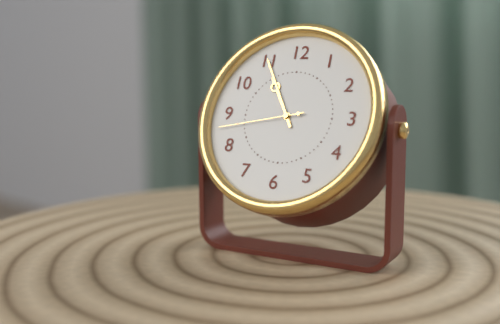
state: 10:55:43
